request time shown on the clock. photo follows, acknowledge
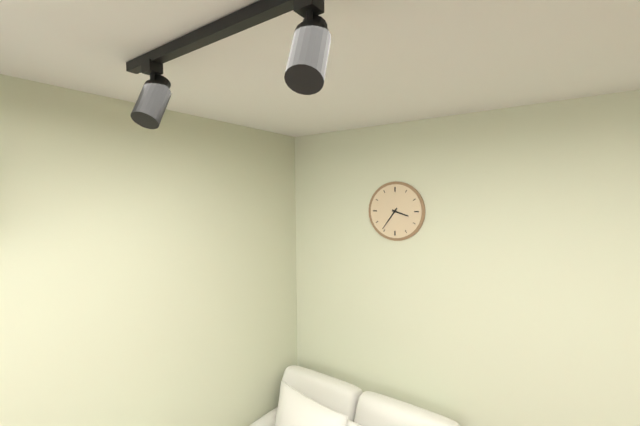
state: 3:36
